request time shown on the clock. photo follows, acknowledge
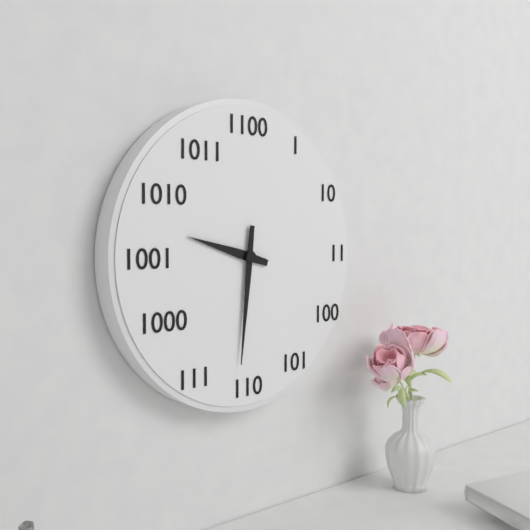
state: 9:31
